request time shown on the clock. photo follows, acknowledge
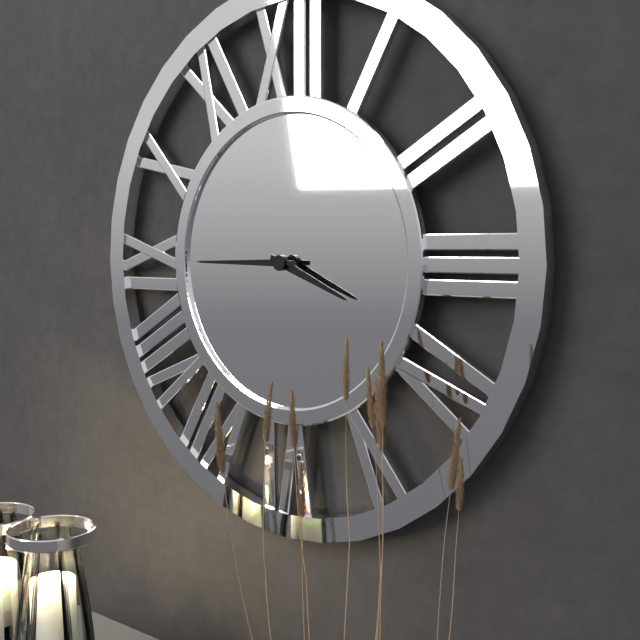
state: 3:45
